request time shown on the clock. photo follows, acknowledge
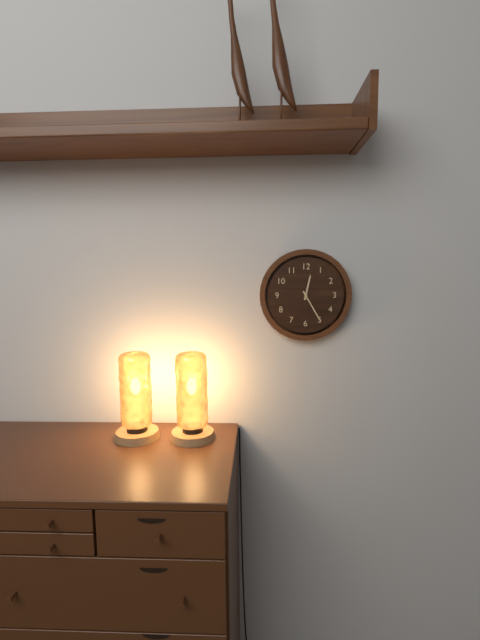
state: 12:25
